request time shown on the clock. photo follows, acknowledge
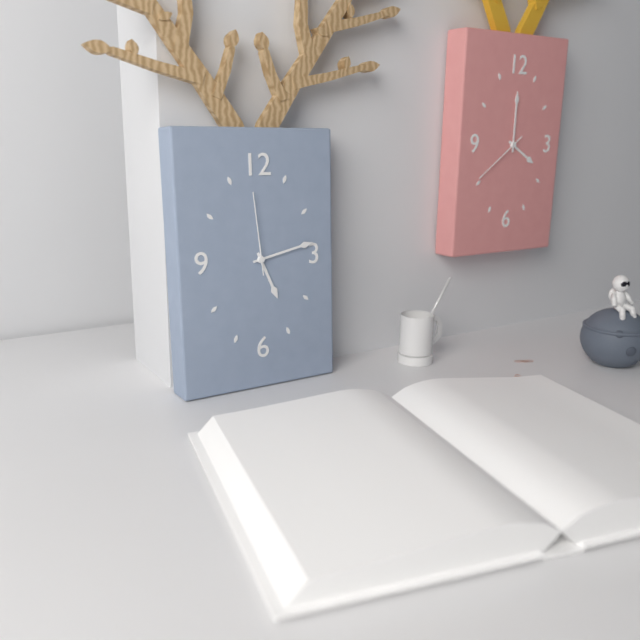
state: 5:13:59
